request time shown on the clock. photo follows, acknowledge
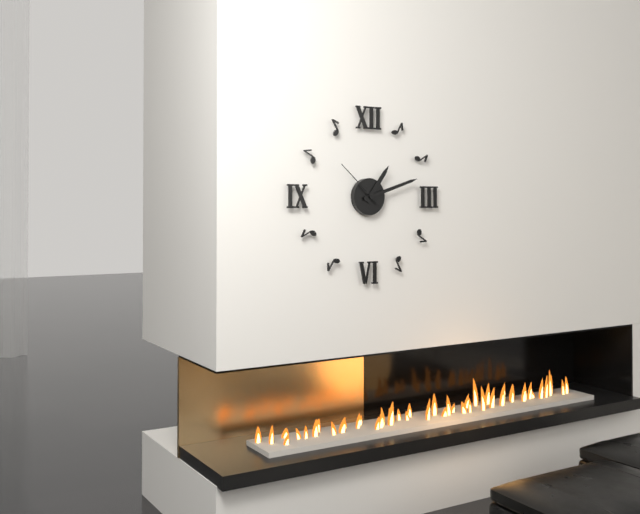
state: 1:12:52
